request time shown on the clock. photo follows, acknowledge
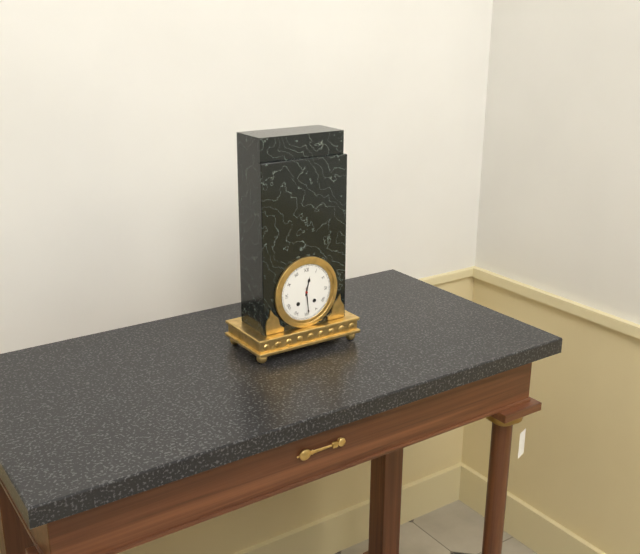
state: 12:29
